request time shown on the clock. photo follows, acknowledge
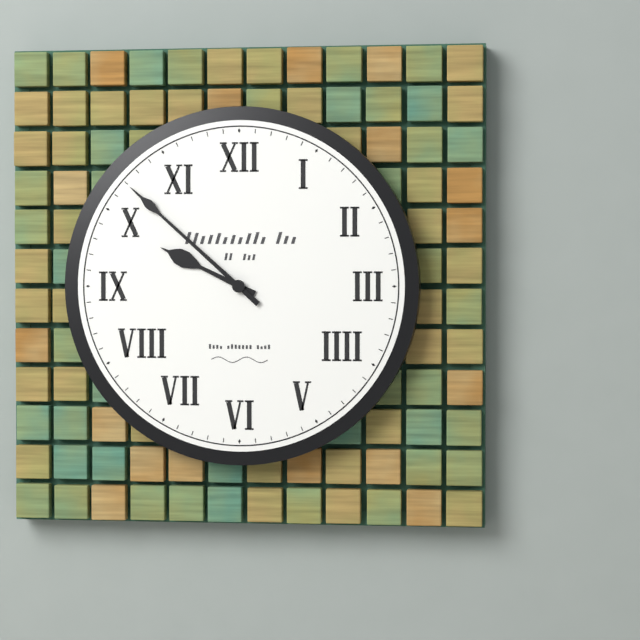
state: 9:52
